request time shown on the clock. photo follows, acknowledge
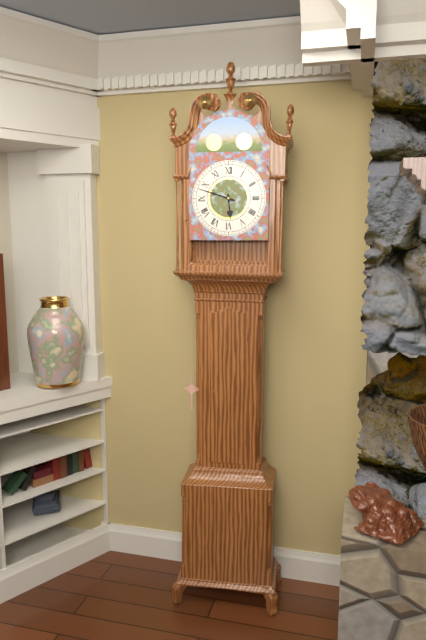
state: 5:48
